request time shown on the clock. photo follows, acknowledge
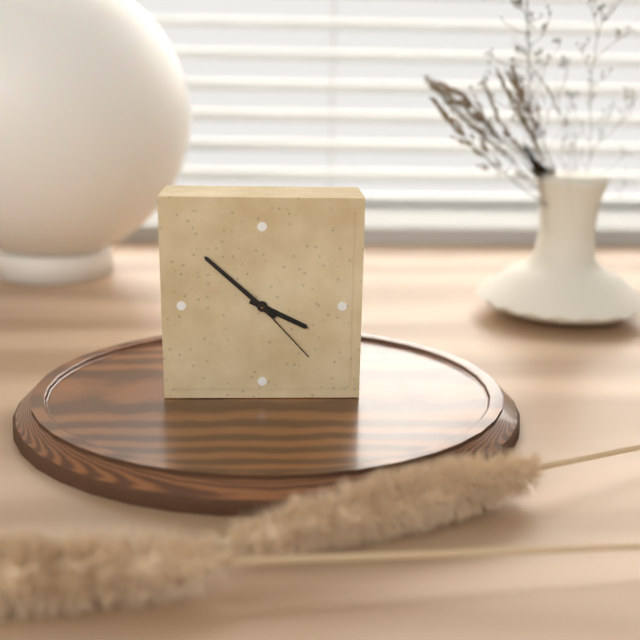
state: 3:52:23
